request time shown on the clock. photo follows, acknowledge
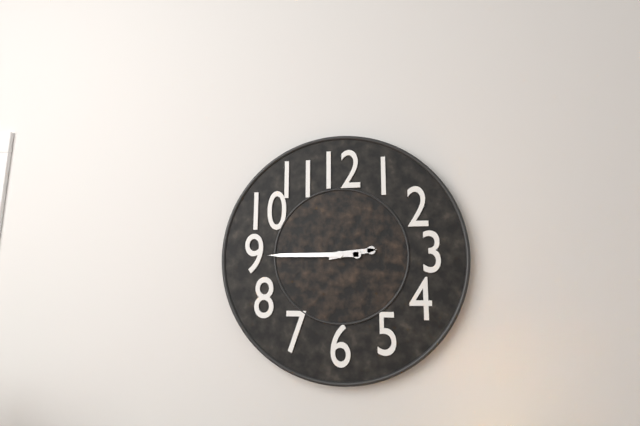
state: 2:45
